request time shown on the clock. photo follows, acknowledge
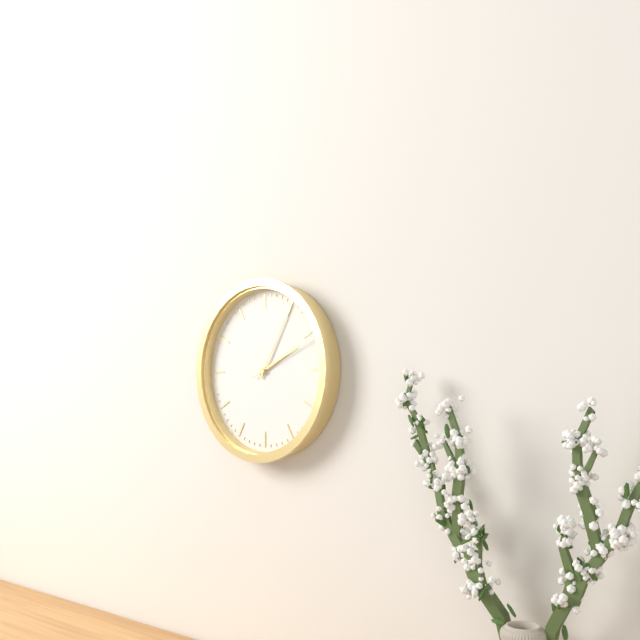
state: 2:05:11
